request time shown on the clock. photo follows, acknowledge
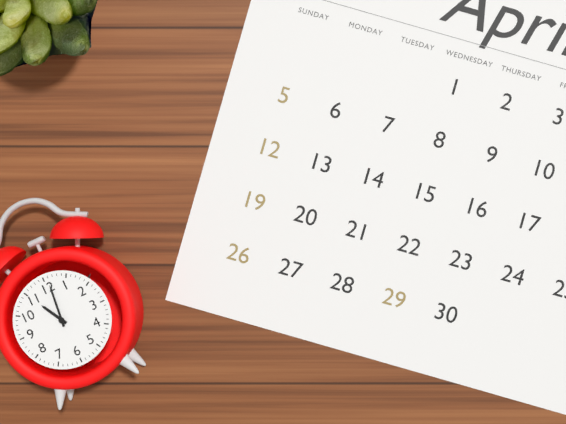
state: 11:01
